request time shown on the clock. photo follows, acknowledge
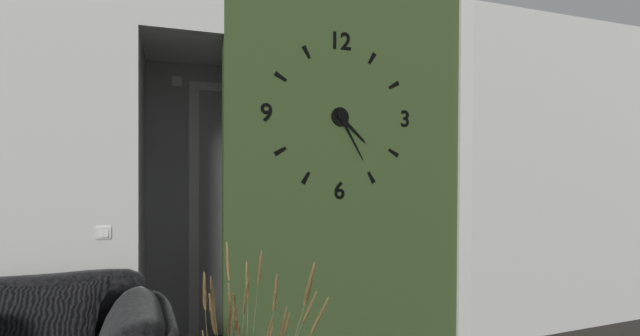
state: 4:25
